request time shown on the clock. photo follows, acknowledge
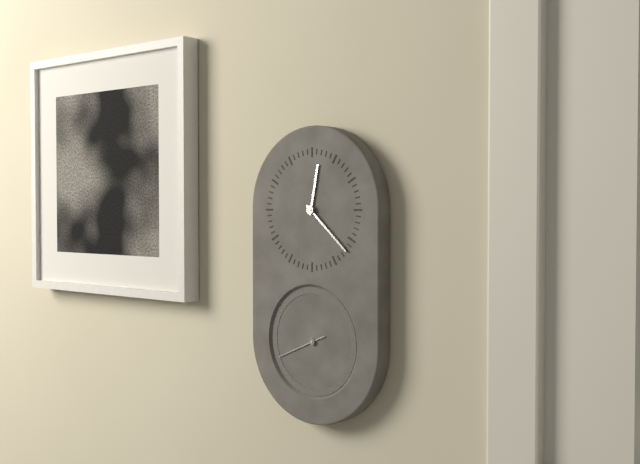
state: 12:22
